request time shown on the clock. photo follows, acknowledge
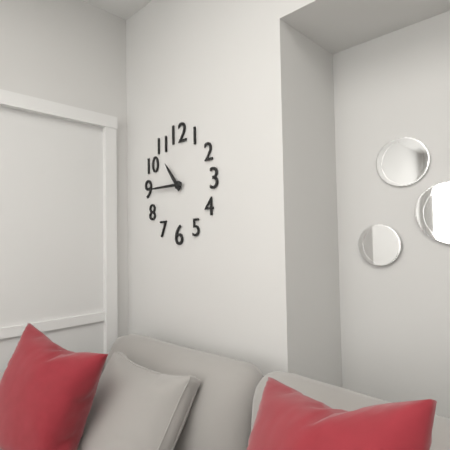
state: 10:45
